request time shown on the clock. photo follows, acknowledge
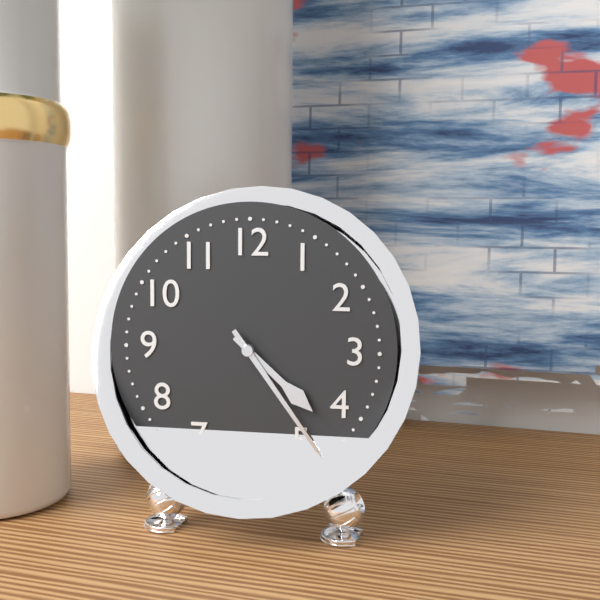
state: 4:24
